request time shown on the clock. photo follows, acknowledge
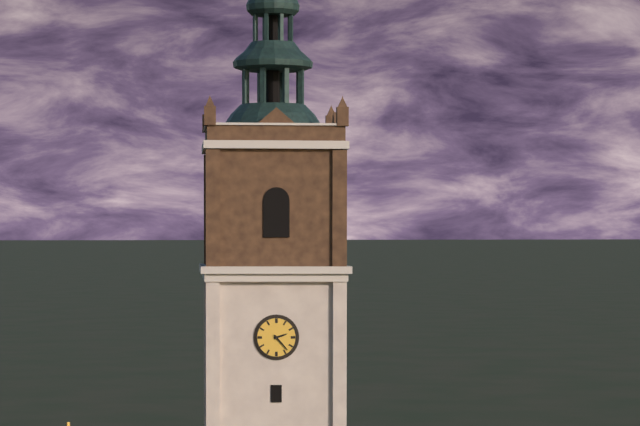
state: 2:23
